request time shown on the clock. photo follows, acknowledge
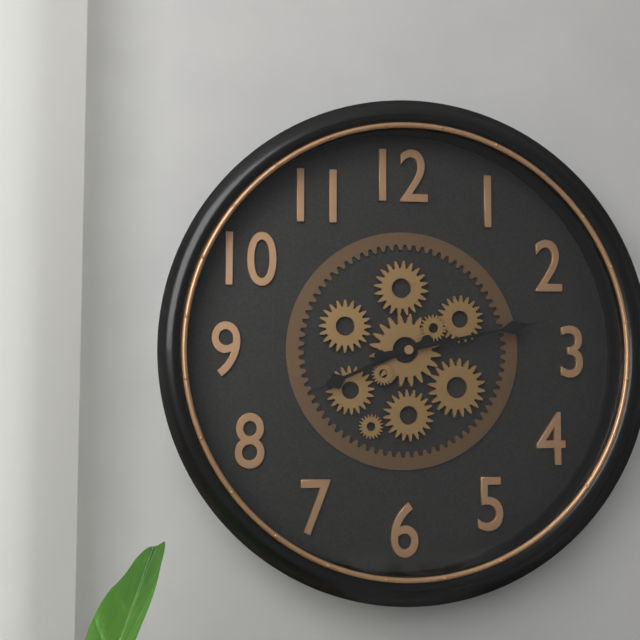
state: 8:13
